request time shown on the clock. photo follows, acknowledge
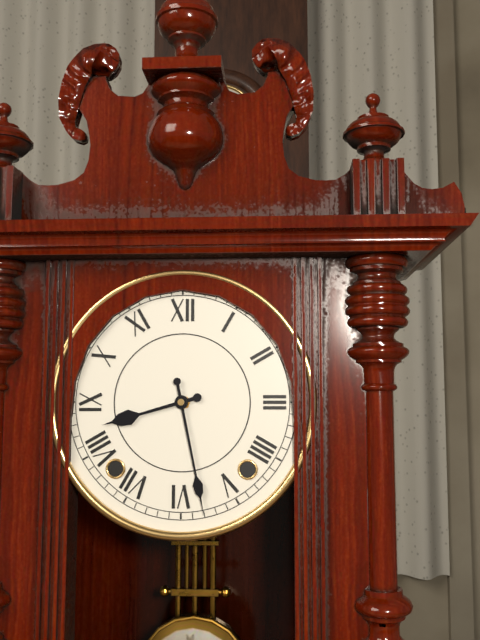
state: 8:28
